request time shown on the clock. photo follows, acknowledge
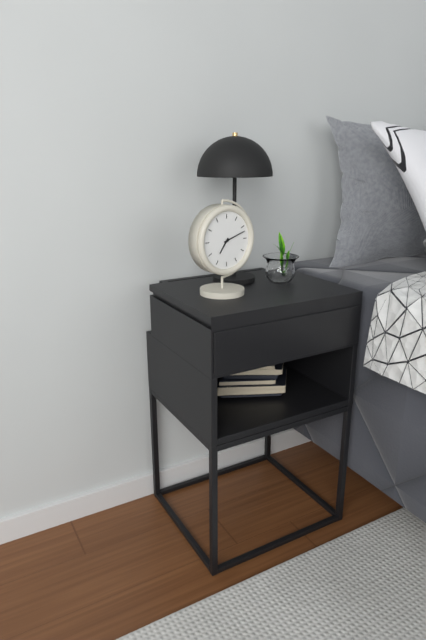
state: 7:12
